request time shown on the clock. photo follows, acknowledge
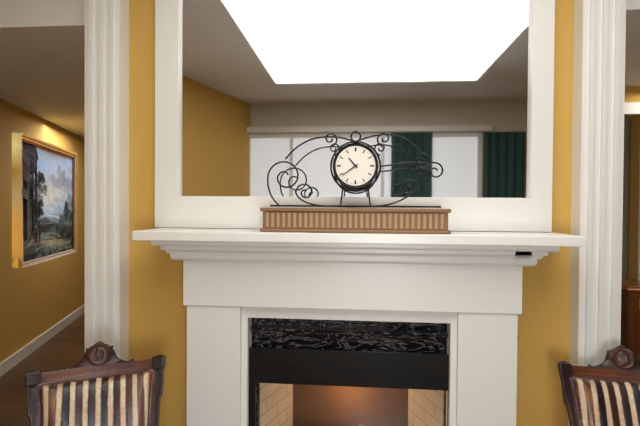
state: 10:39
